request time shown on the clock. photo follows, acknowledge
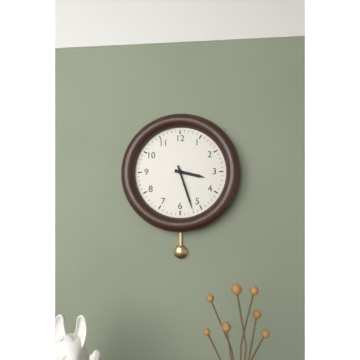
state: 3:27
